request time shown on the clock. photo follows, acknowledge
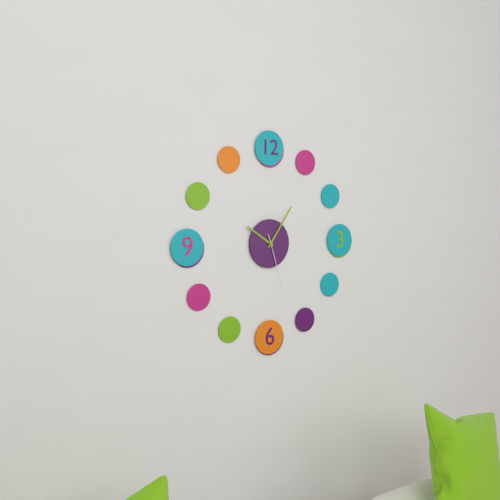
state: 10:06:27
